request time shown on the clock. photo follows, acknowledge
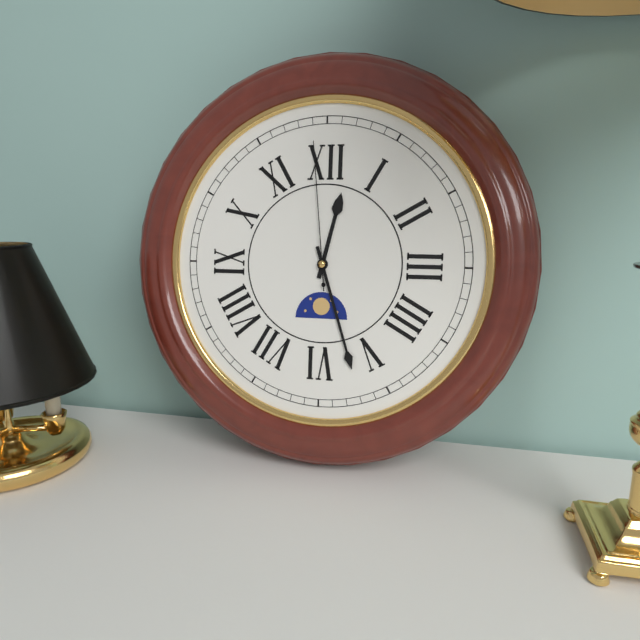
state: 12:27:59
